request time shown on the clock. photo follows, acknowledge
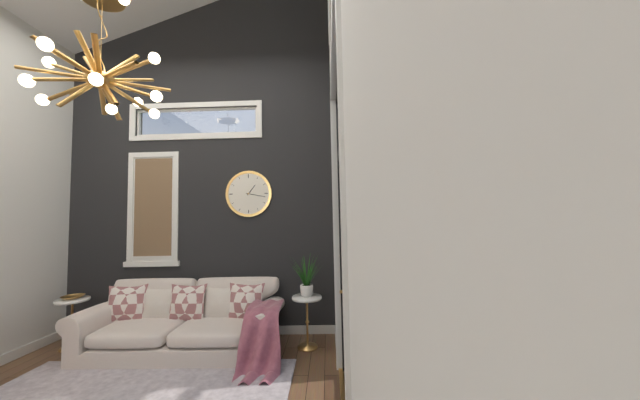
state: 1:17
